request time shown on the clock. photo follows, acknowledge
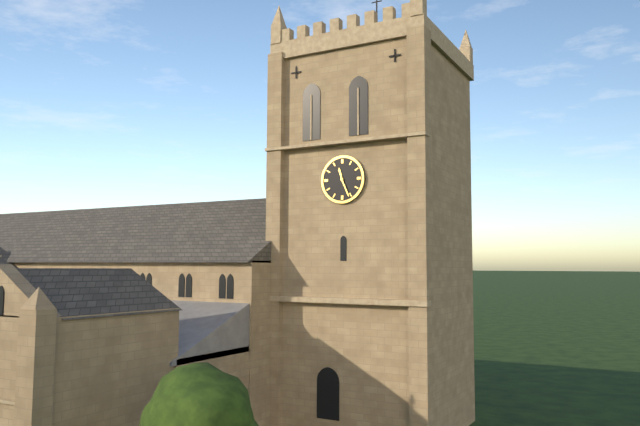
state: 11:26
